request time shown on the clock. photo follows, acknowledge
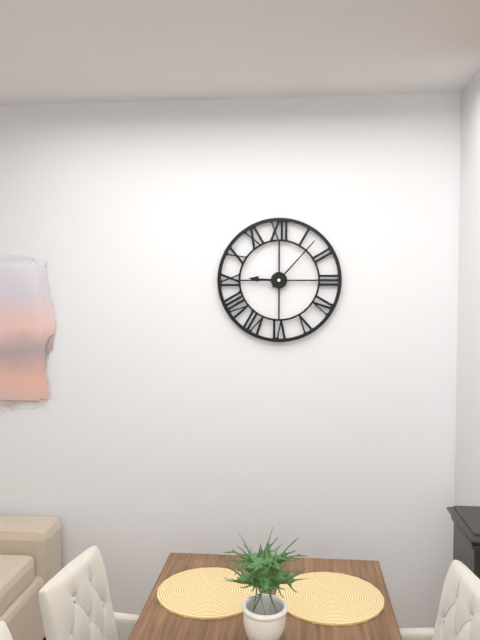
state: 9:07
